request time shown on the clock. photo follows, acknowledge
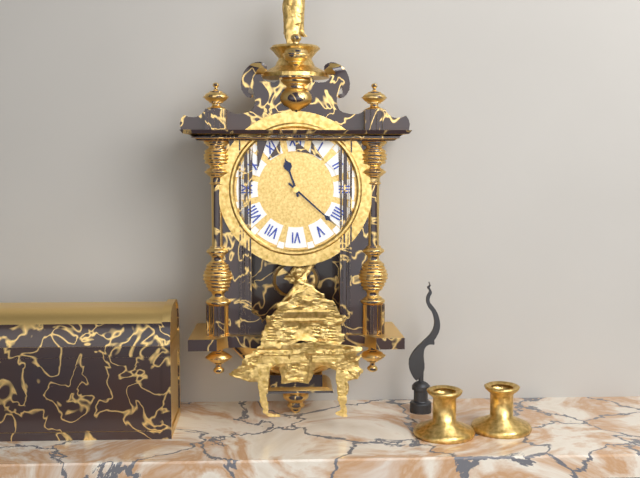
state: 11:22
